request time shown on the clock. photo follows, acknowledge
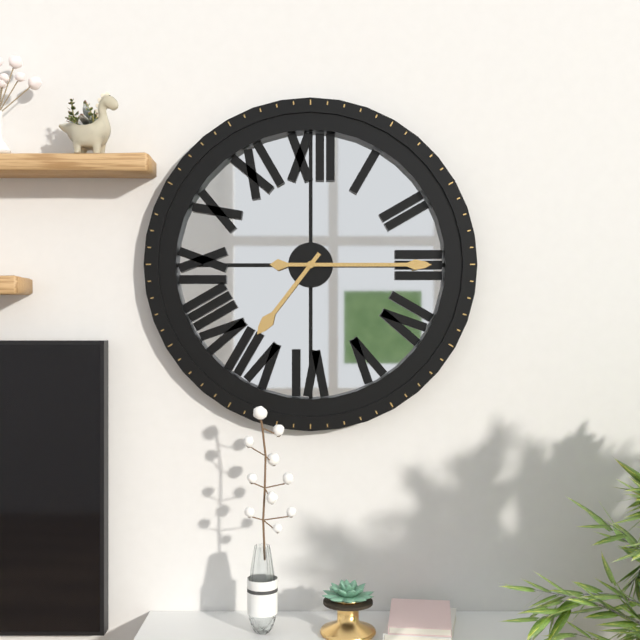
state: 7:15
